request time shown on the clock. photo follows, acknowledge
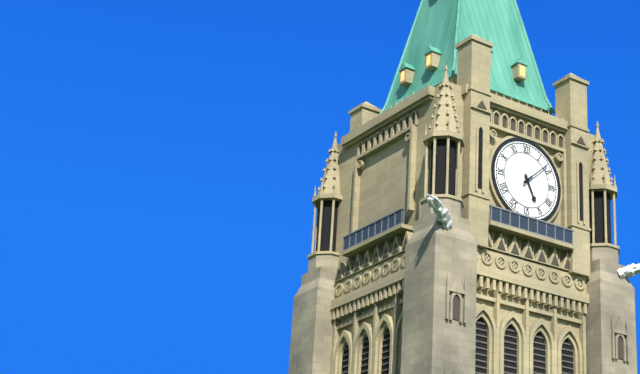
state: 5:08
